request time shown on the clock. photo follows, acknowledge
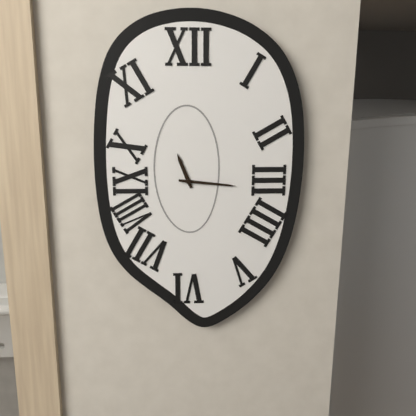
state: 11:16
